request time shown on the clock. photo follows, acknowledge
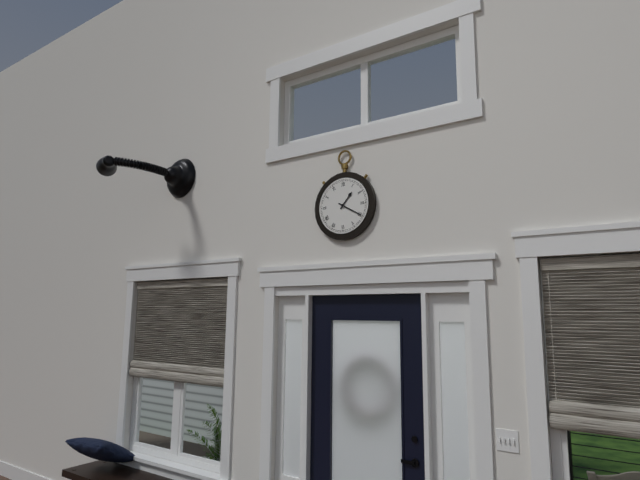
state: 1:20
